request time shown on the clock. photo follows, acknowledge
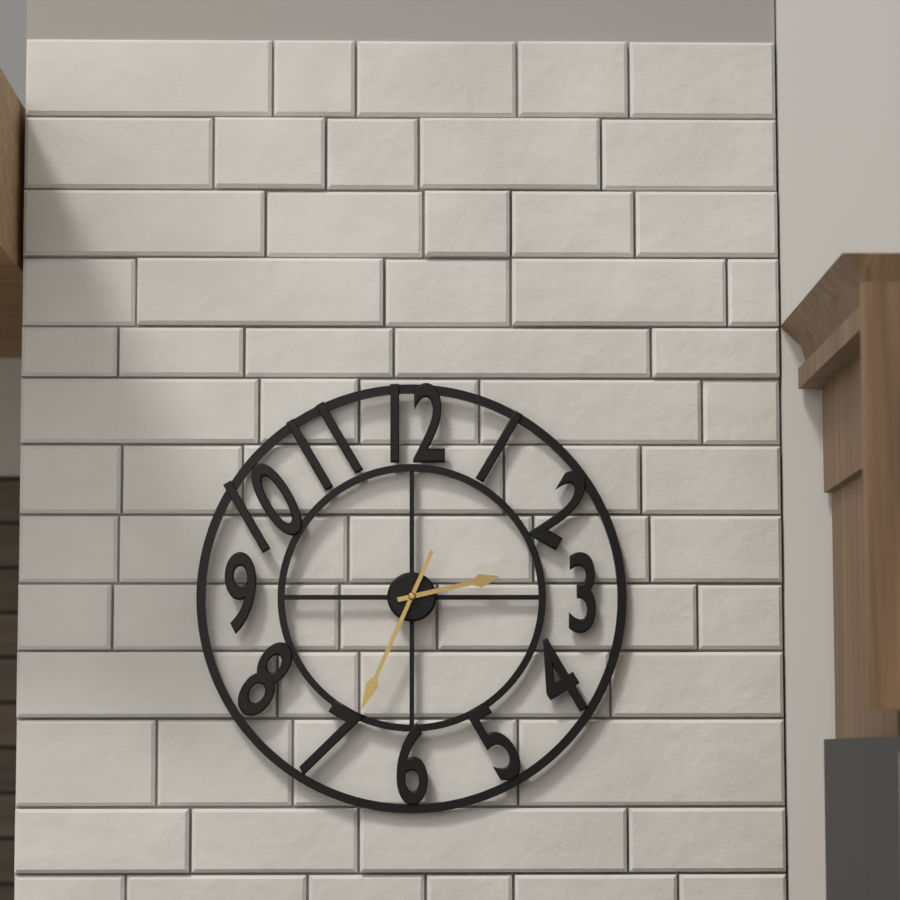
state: 2:34
